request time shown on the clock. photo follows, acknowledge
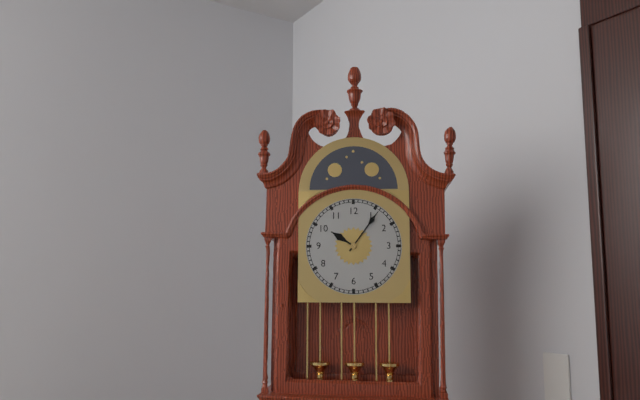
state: 10:06
